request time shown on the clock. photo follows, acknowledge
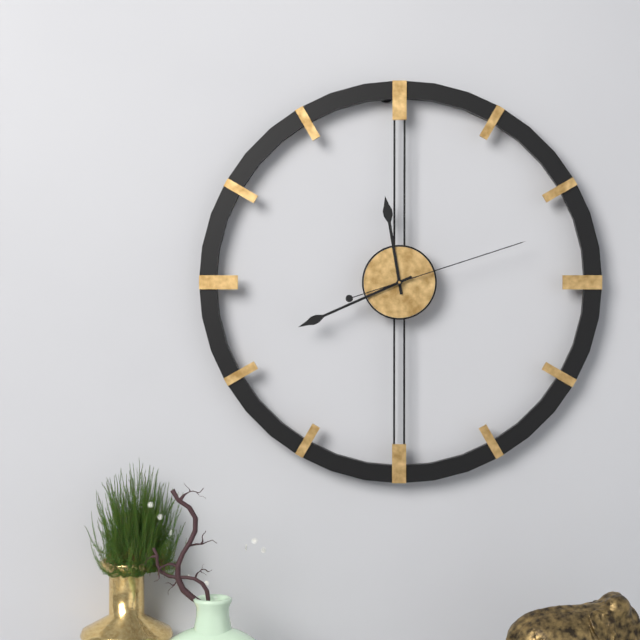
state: 11:41:12
